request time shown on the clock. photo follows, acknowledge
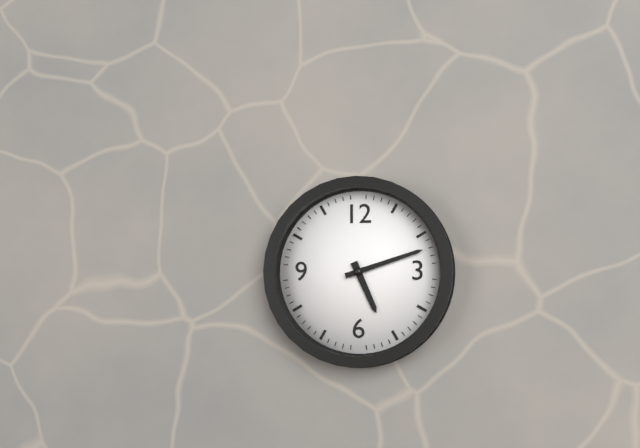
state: 5:12
